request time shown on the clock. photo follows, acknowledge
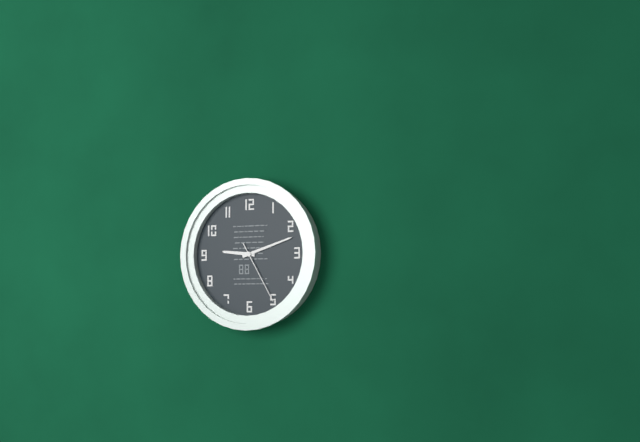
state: 9:12:25
